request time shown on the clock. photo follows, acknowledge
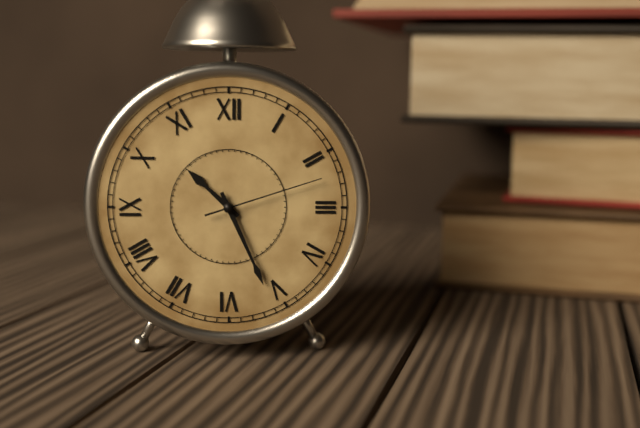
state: 10:26:12
